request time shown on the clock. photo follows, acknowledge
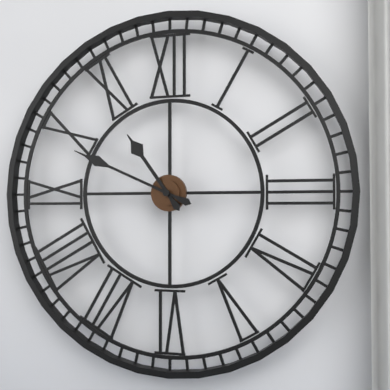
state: 10:49
